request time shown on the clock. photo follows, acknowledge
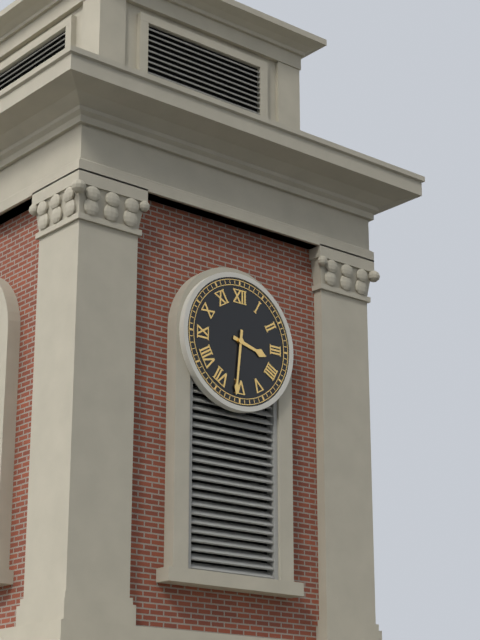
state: 3:31
